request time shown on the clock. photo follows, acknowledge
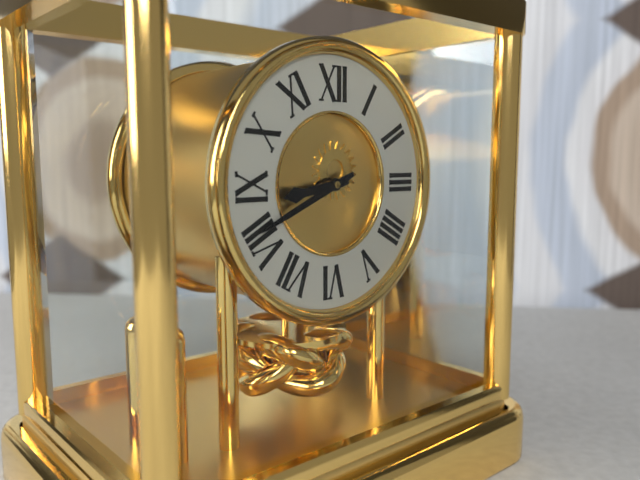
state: 8:41
